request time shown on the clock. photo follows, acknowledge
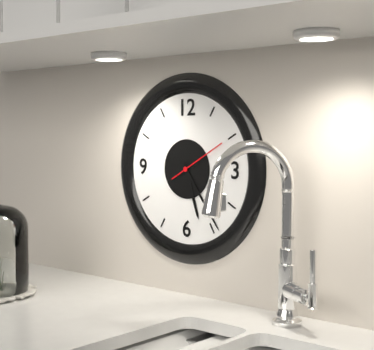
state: 5:24:10
